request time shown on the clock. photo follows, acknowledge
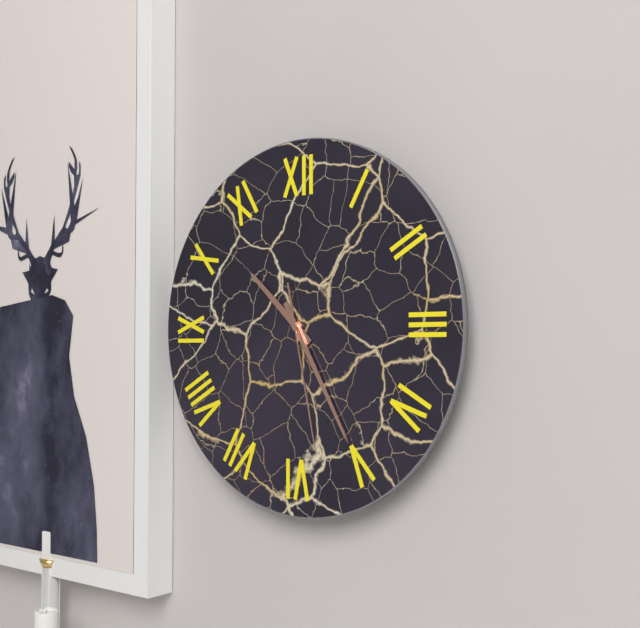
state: 10:25:28
